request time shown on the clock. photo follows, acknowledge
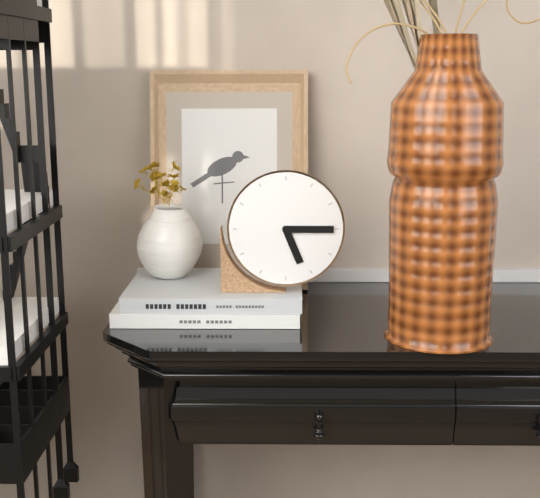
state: 5:15
